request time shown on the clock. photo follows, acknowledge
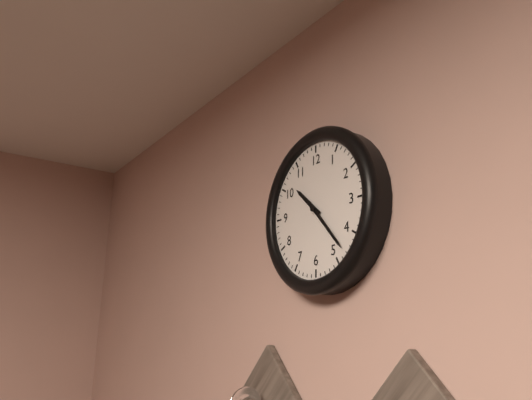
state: 10:23
